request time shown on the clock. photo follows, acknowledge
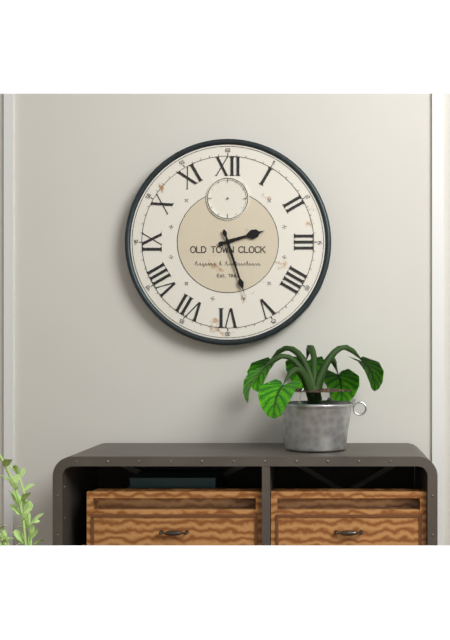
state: 2:27
